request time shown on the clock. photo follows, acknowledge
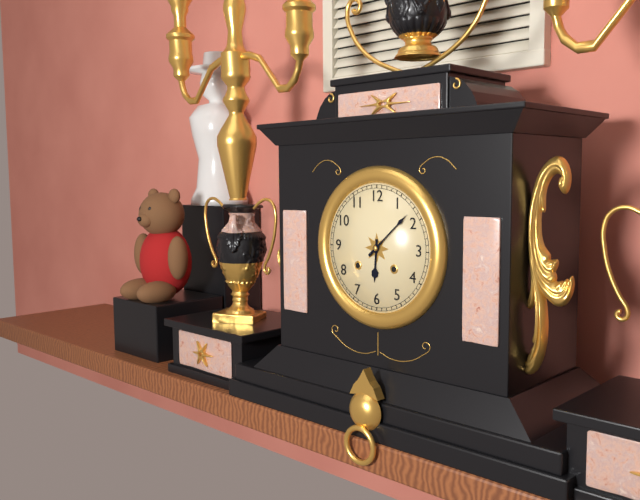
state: 6:08
